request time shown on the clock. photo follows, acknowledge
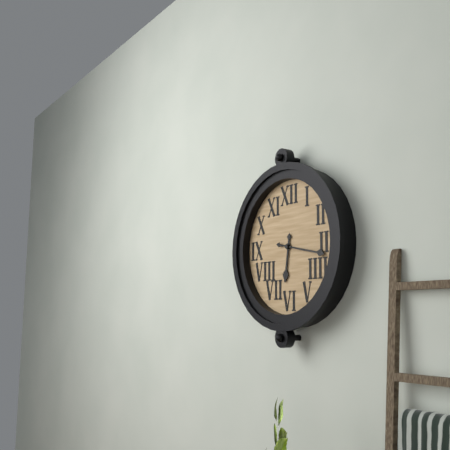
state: 6:17
